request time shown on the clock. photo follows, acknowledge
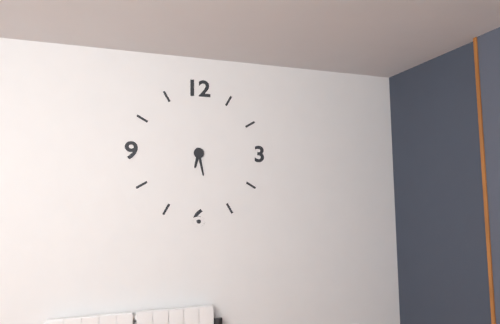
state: 6:28
